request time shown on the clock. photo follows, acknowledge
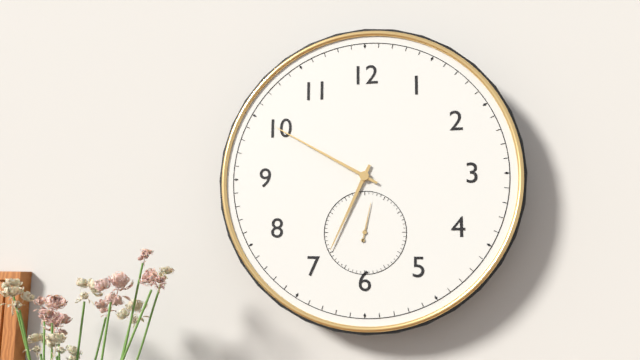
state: 6:50
